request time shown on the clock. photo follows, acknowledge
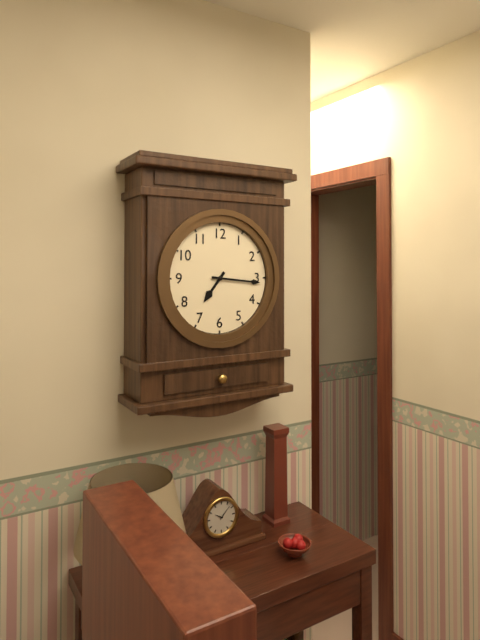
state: 7:16
